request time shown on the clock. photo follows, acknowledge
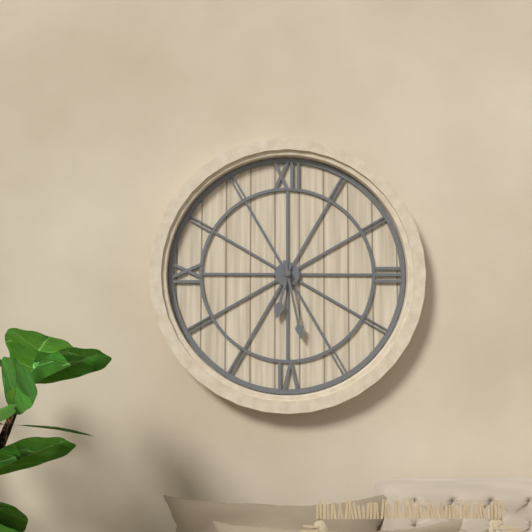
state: 6:28
